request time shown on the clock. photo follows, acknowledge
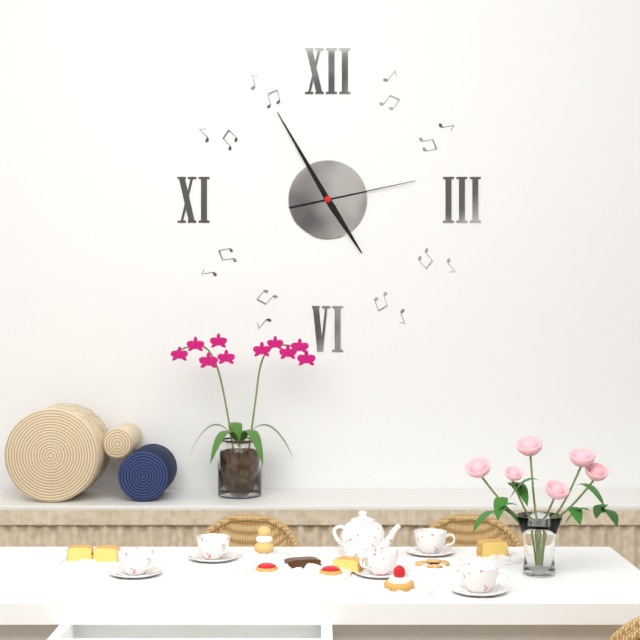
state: 4:55:13
